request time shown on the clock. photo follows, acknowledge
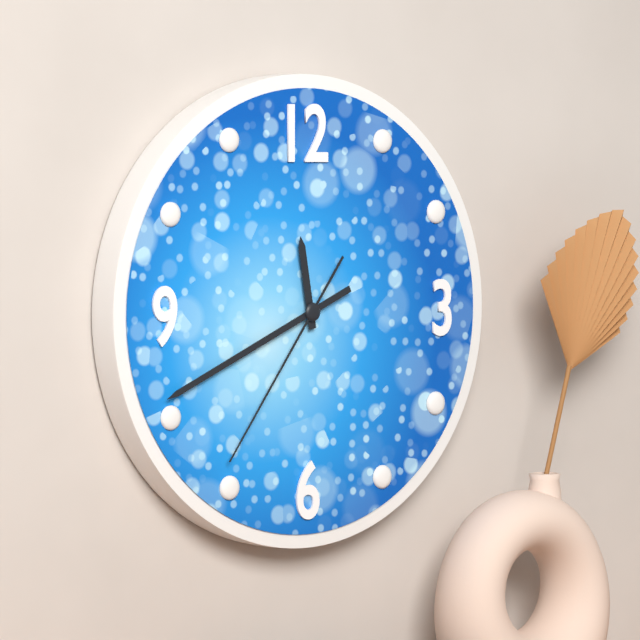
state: 11:41:36
